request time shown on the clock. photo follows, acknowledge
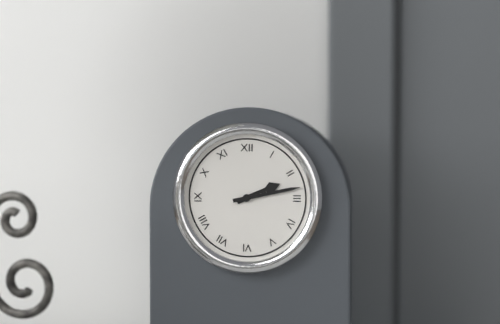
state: 2:13
